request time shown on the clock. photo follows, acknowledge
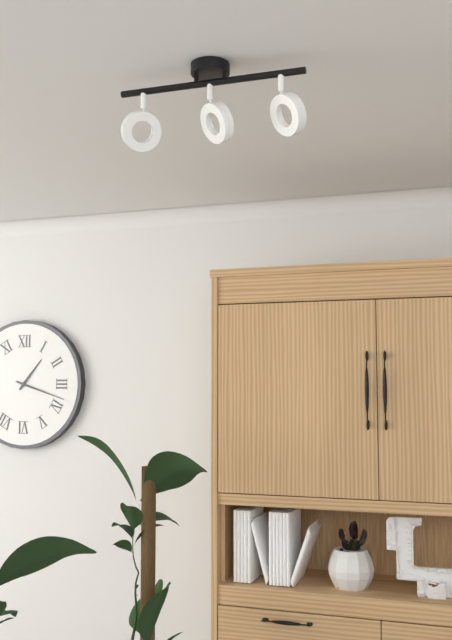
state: 1:18
